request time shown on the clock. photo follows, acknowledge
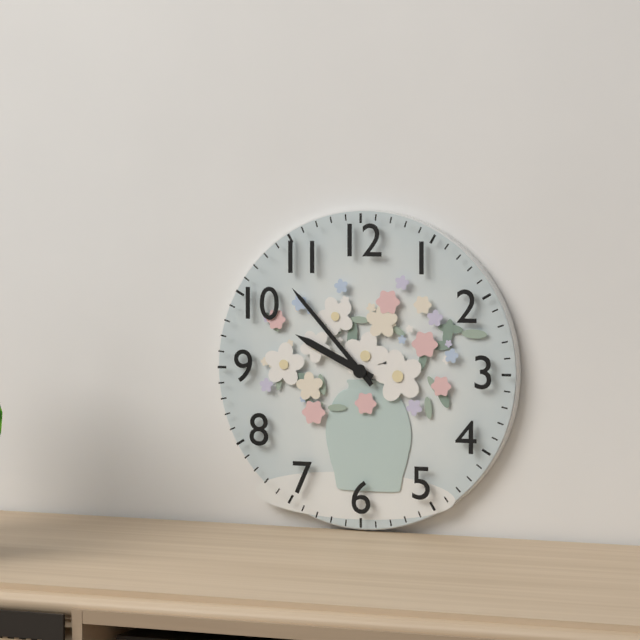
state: 9:53
